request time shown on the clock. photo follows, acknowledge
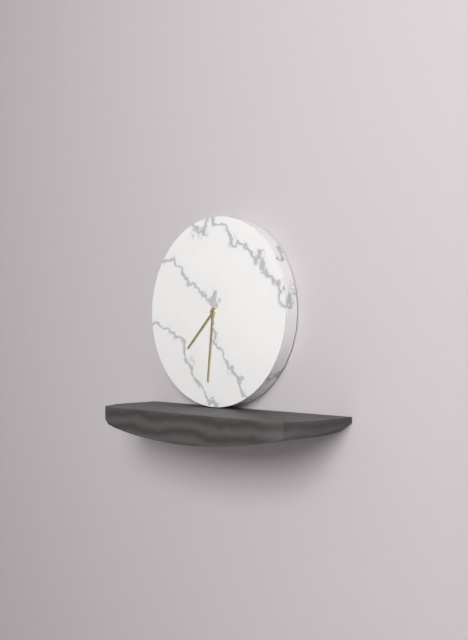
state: 7:31
